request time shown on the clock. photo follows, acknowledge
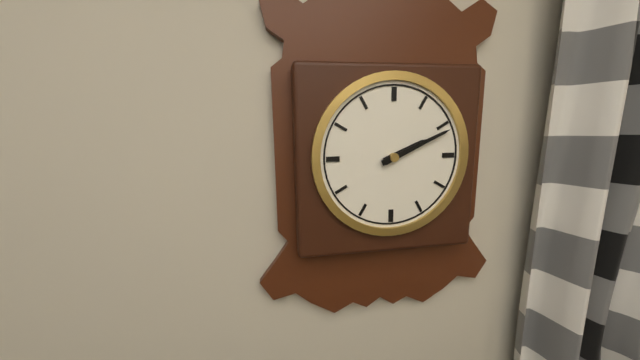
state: 2:11
